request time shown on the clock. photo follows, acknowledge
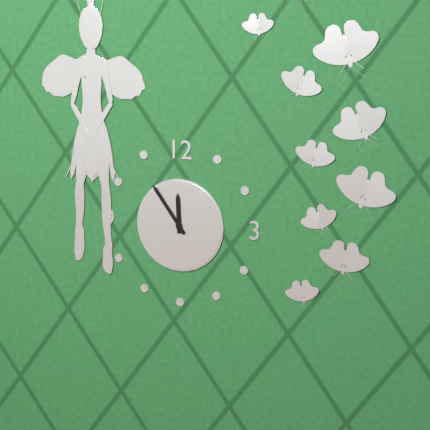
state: 11:54
